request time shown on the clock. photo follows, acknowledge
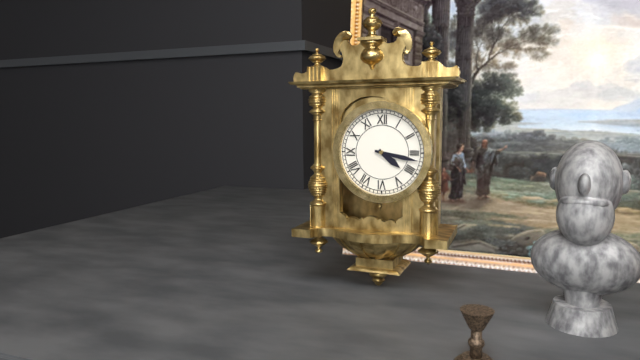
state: 4:17
